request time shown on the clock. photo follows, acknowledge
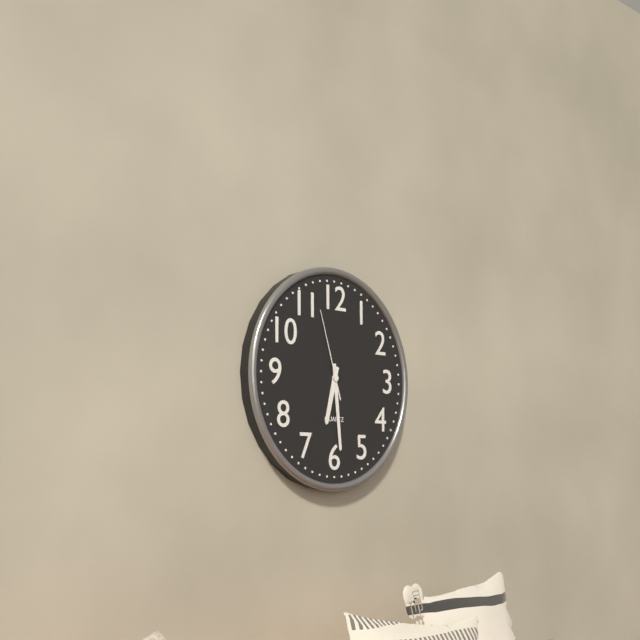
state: 6:29:57
